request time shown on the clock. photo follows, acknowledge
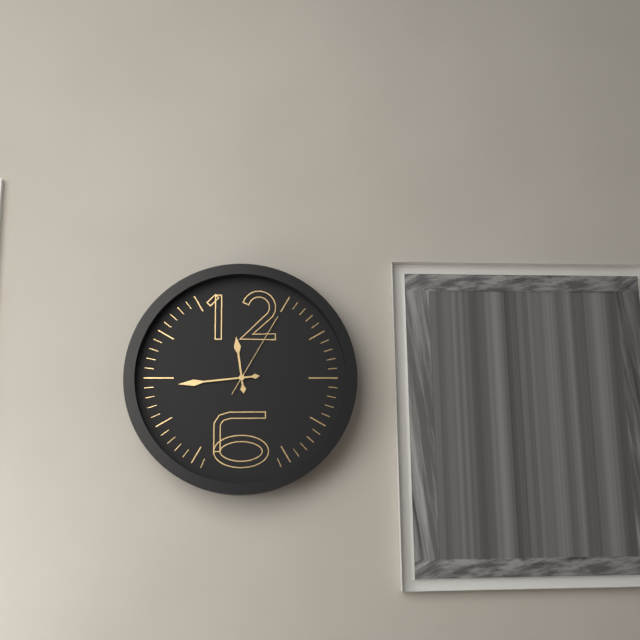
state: 11:44:05
